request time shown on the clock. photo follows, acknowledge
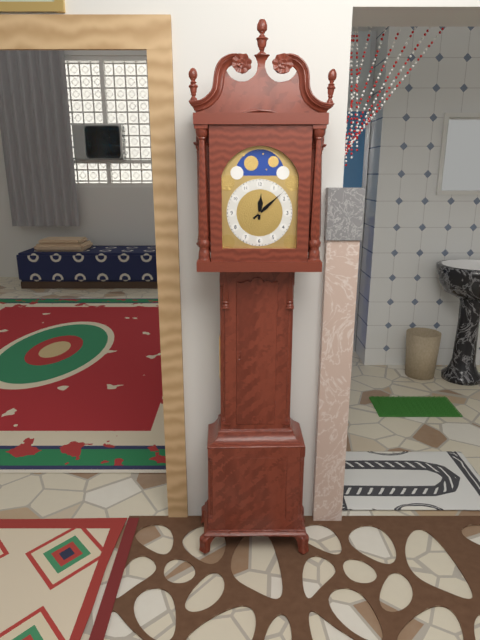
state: 12:08
